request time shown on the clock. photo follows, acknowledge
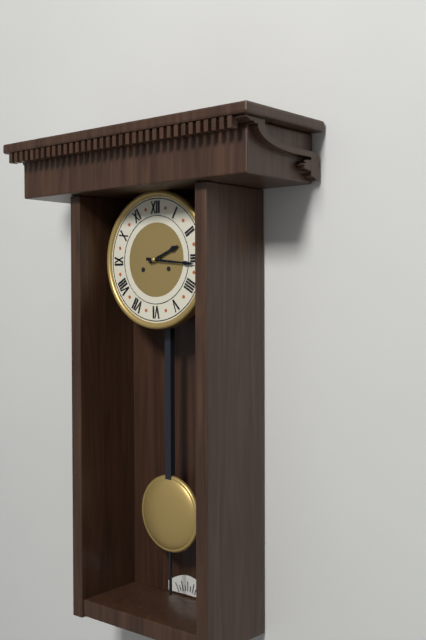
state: 2:16
